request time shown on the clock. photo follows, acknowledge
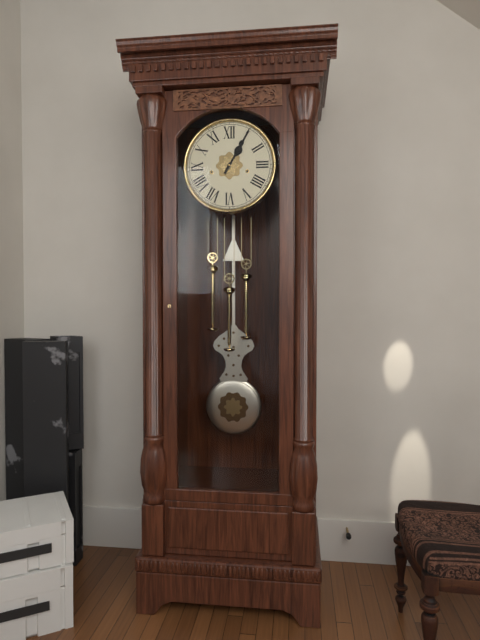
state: 1:05
